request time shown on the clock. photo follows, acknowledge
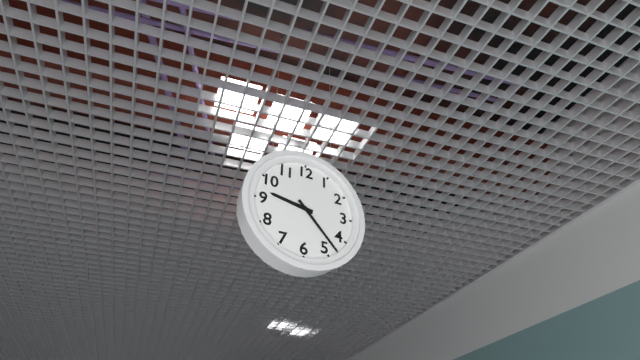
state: 9:23
